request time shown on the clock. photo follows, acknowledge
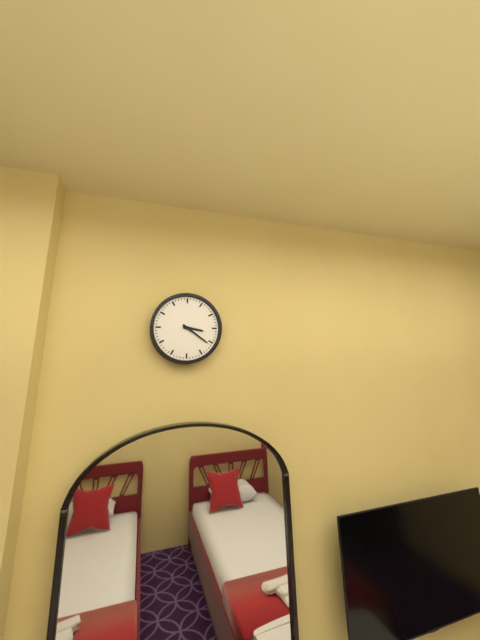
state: 3:21
